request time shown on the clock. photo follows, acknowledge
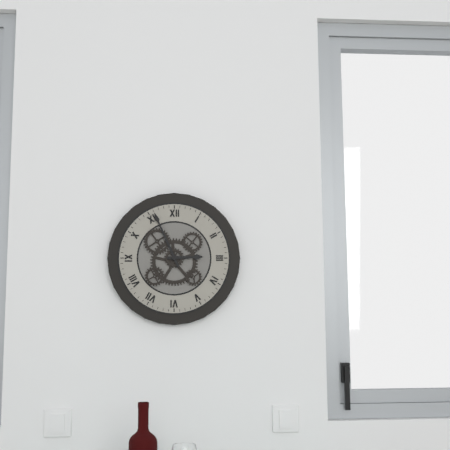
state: 2:56
